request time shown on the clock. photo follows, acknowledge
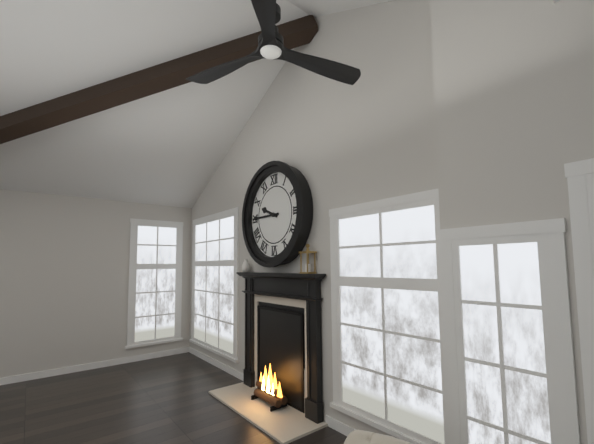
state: 9:45
